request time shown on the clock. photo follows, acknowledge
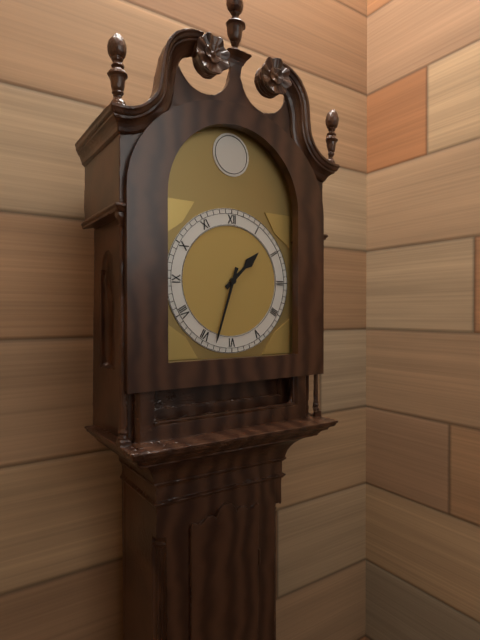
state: 1:33
